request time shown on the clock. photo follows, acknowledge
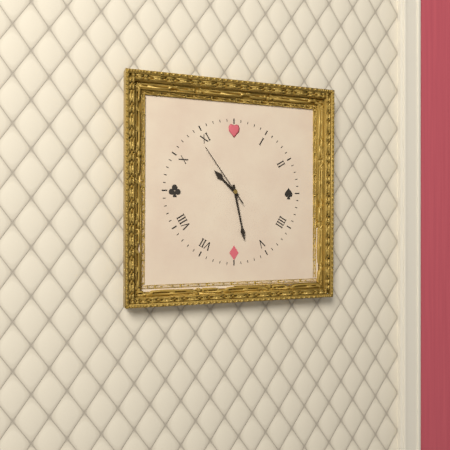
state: 10:28:54
